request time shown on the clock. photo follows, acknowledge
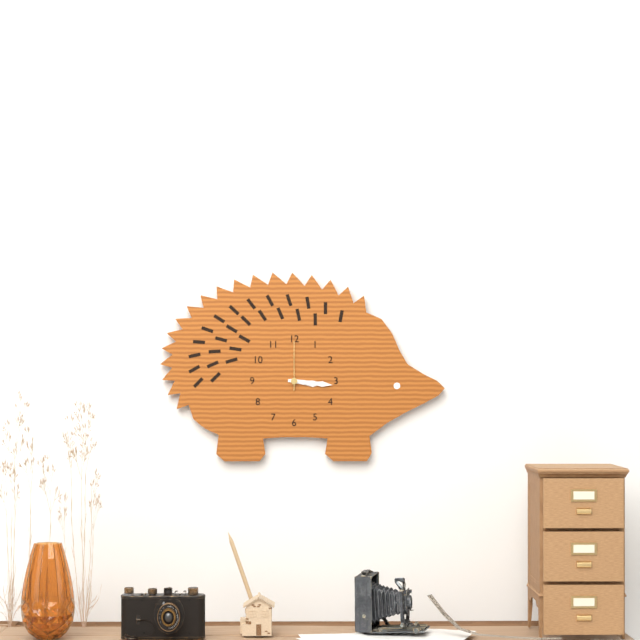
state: 3:16:00
